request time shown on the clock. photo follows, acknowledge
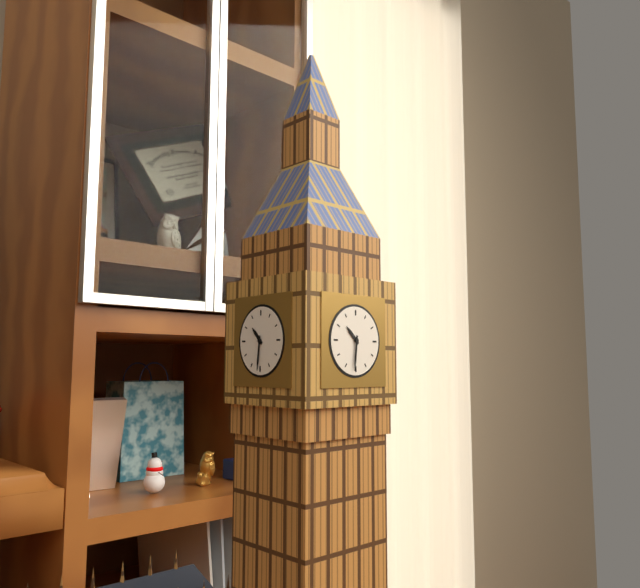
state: 10:31
